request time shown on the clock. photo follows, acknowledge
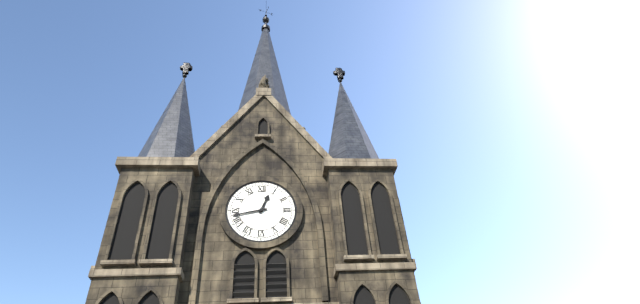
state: 12:43
